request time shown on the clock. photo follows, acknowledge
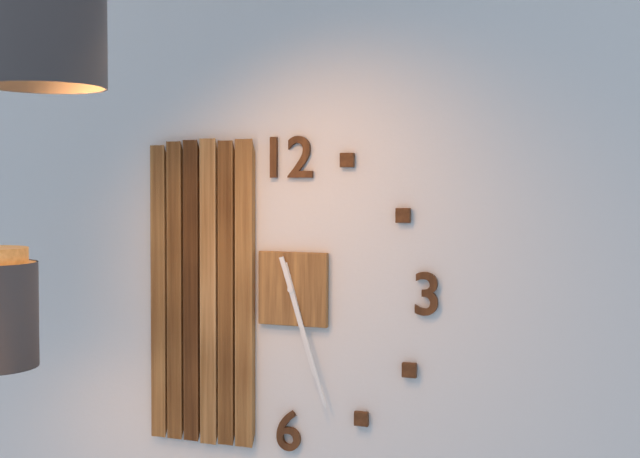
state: 5:27
